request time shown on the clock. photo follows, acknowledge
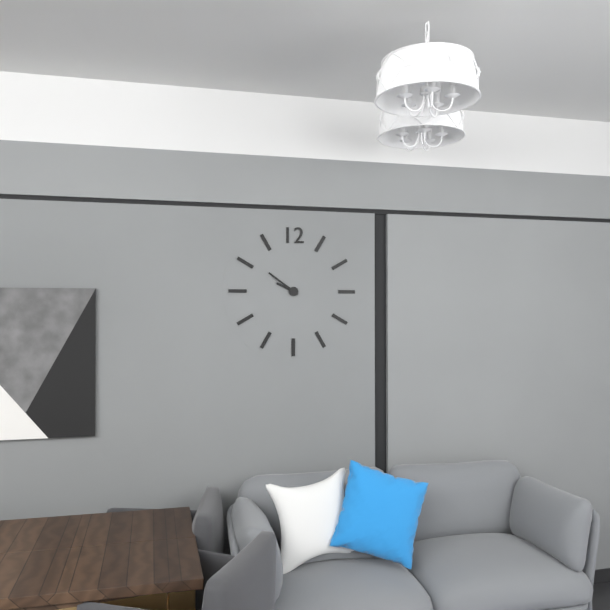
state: 9:51
